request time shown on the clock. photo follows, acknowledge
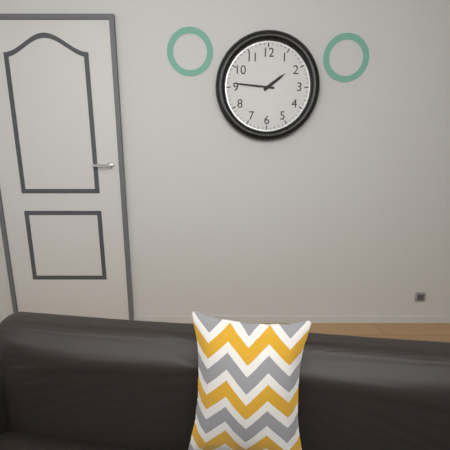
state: 1:46
